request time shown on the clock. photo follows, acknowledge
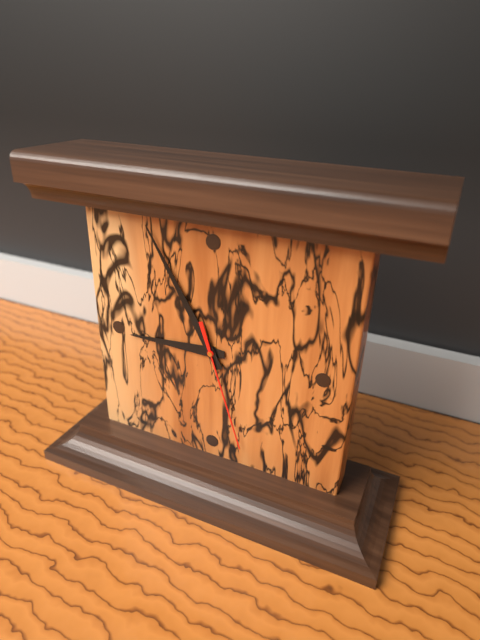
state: 8:55:27
